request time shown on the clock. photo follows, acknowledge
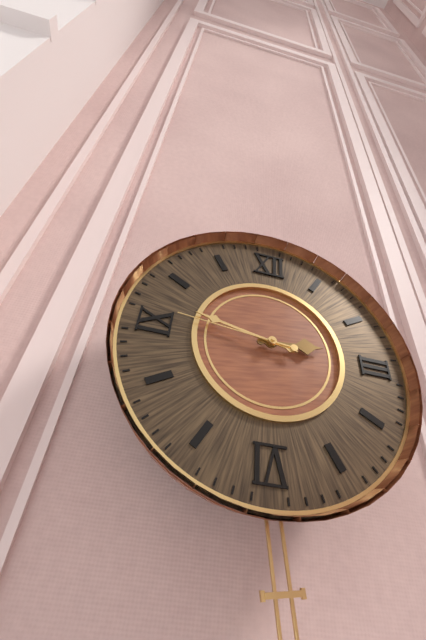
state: 2:47:46
